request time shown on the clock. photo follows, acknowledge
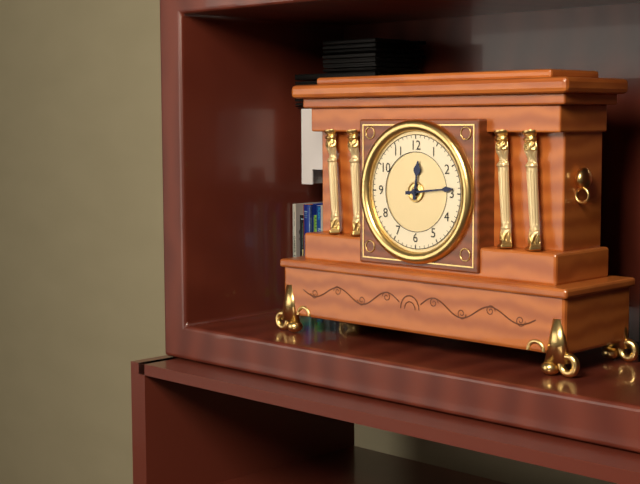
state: 12:14
